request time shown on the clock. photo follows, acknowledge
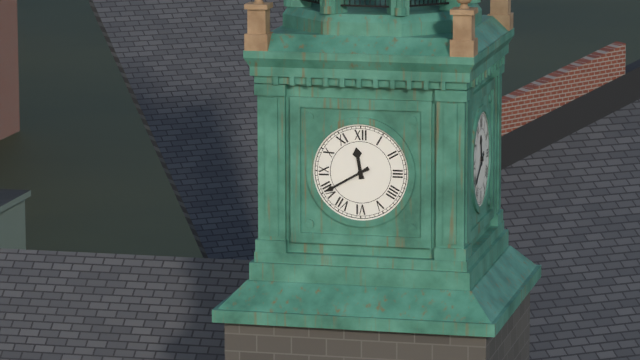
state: 11:40
